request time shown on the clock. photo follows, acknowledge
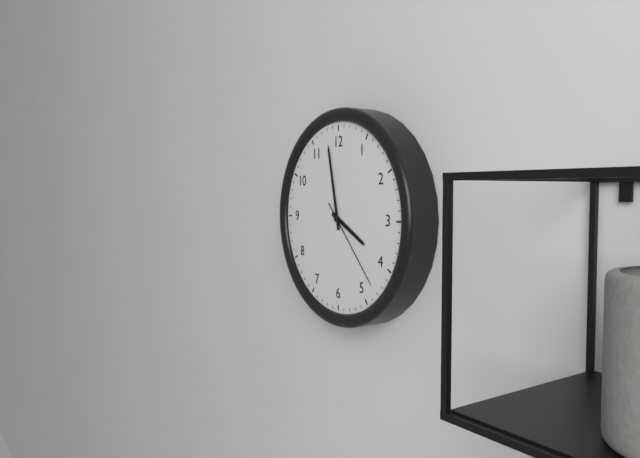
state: 3:58:23
